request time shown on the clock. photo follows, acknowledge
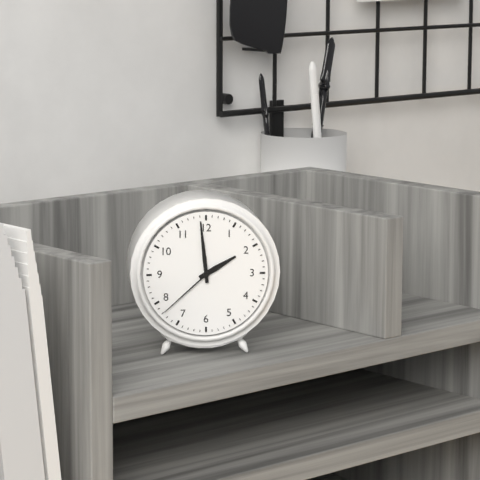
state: 1:59:38
